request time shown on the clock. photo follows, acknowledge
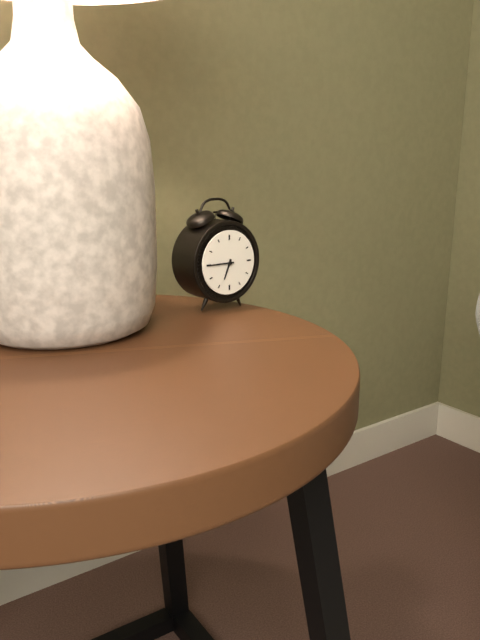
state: 6:45
